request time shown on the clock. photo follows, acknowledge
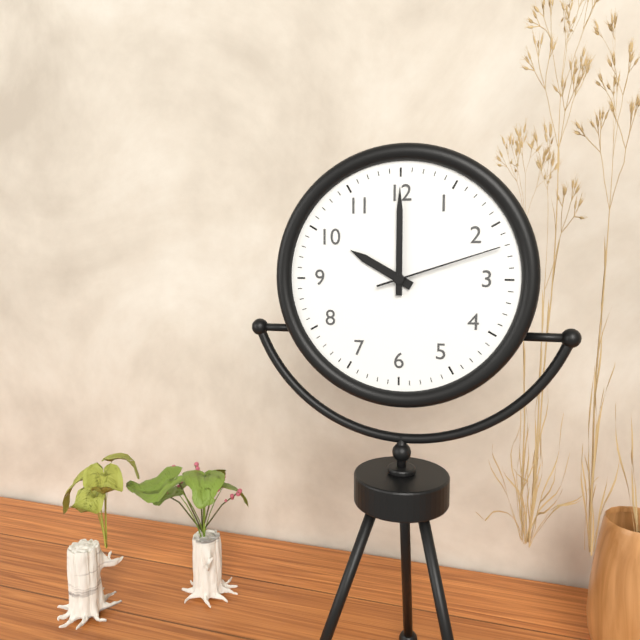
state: 10:00:12
